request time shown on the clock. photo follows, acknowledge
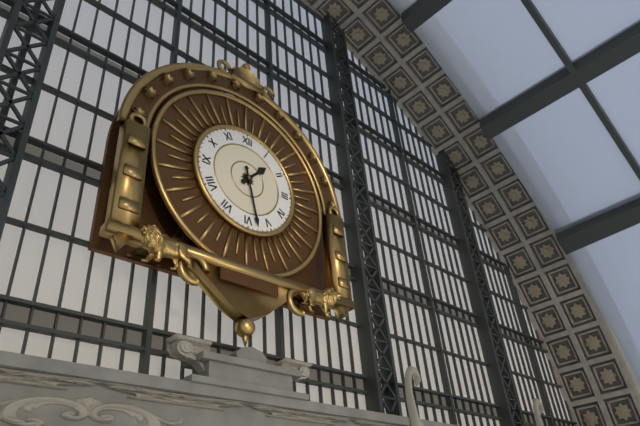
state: 1:28
